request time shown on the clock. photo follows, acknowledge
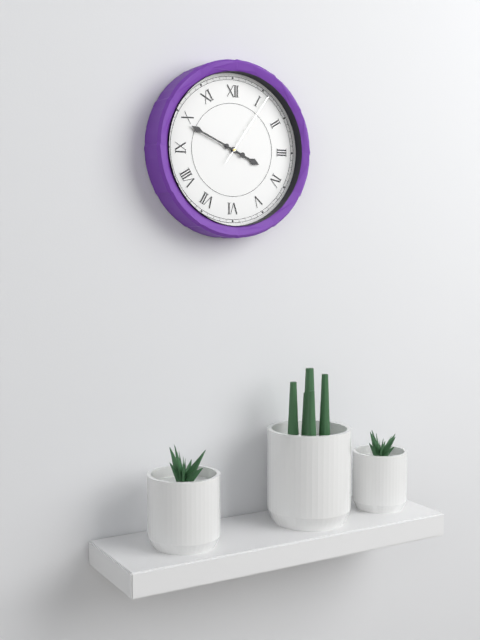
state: 3:49:06
